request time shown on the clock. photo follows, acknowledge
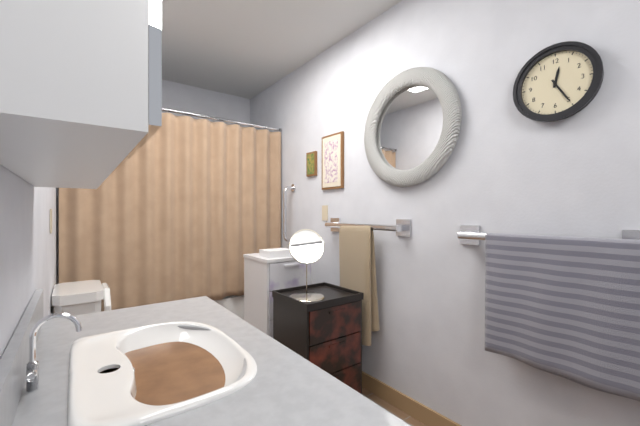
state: 12:25
